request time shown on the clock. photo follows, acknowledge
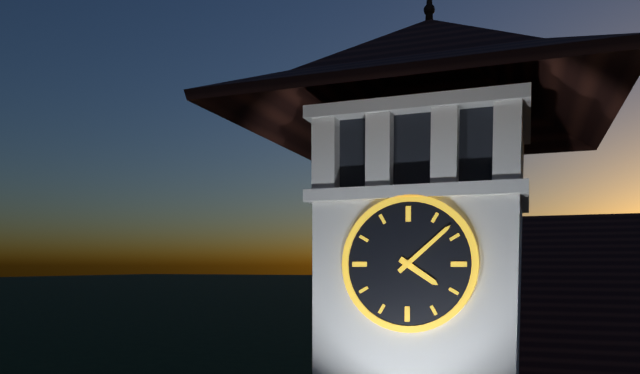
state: 4:08
